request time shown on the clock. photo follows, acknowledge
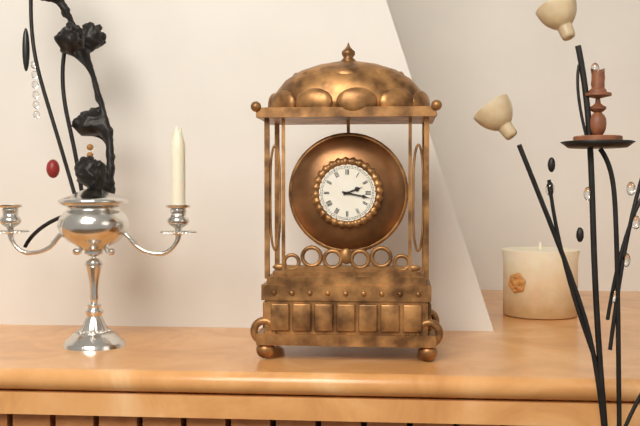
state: 2:17
